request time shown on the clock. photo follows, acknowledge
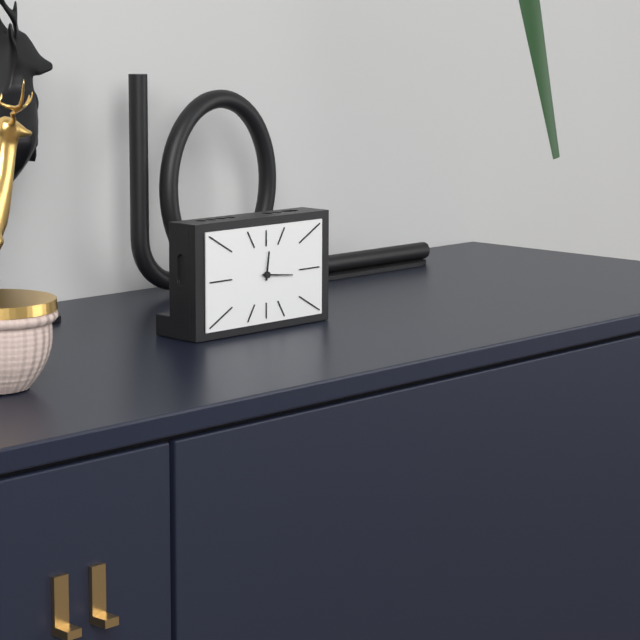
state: 12:16
